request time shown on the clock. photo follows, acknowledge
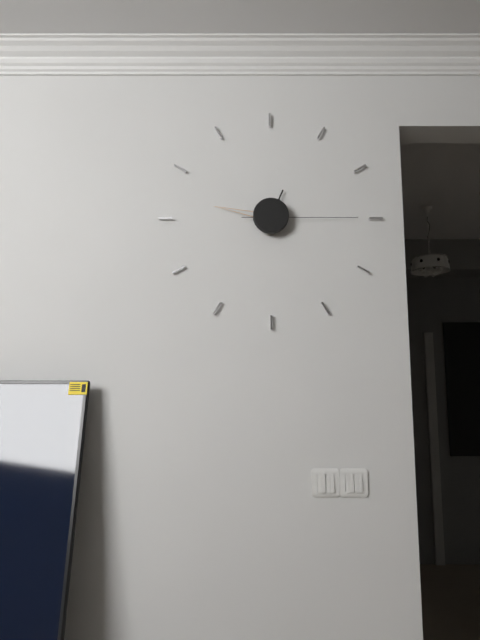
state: 12:47:15
